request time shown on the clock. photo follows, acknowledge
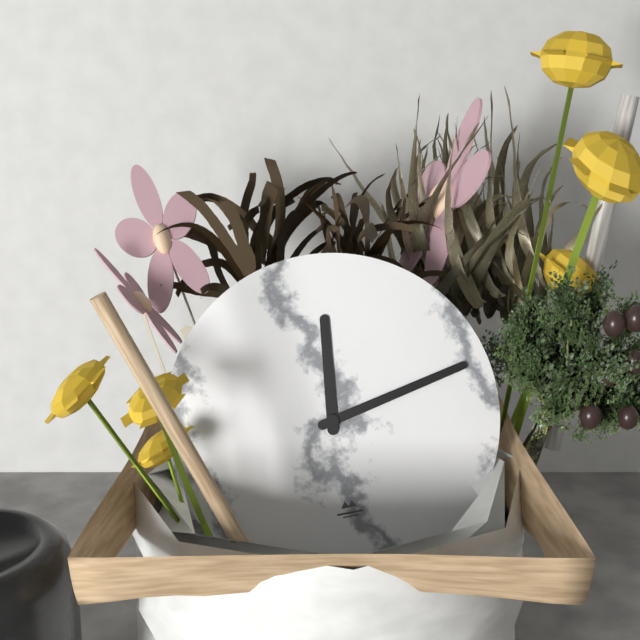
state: 12:13
